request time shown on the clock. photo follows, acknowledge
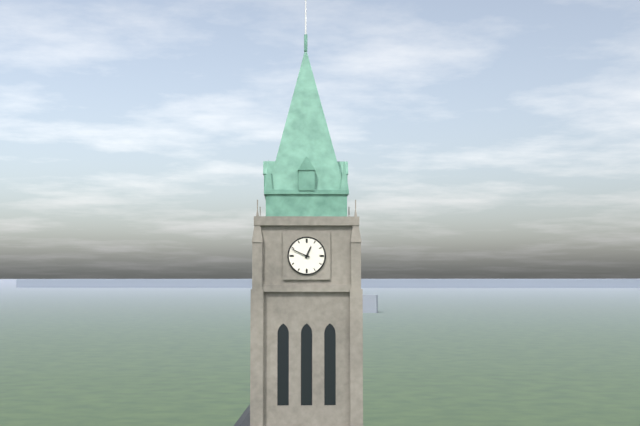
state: 12:49
